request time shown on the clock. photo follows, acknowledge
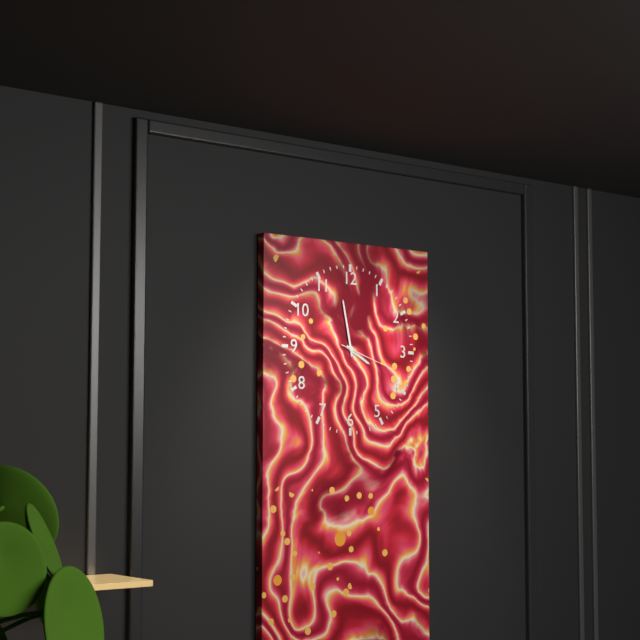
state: 3:58:18
